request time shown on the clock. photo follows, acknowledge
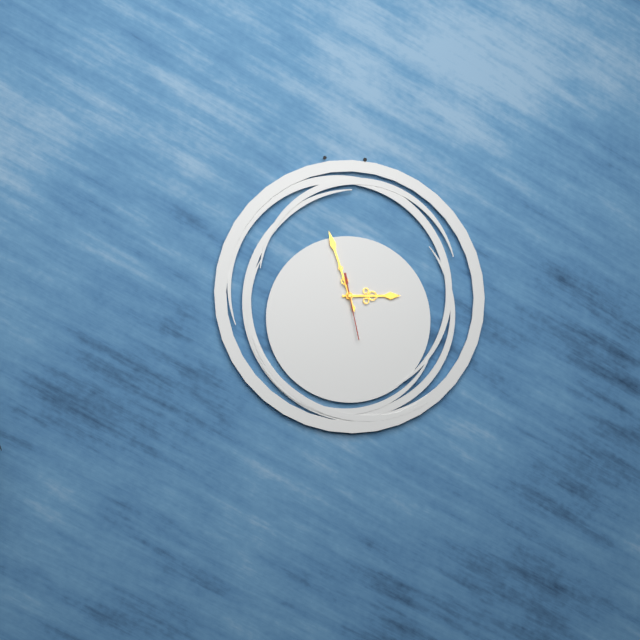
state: 2:57:28
